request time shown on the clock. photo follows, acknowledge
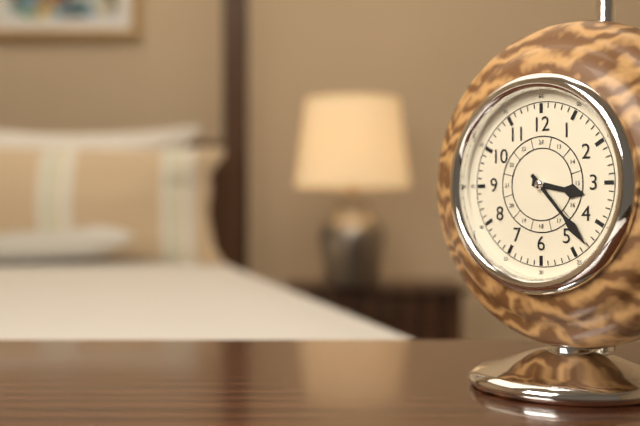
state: 3:23
